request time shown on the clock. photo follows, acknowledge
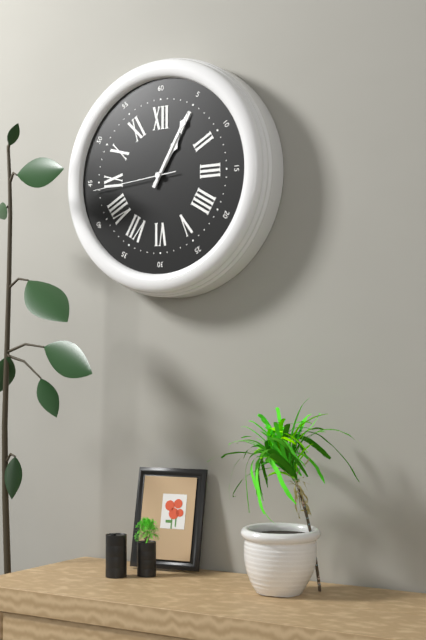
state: 1:05:44
